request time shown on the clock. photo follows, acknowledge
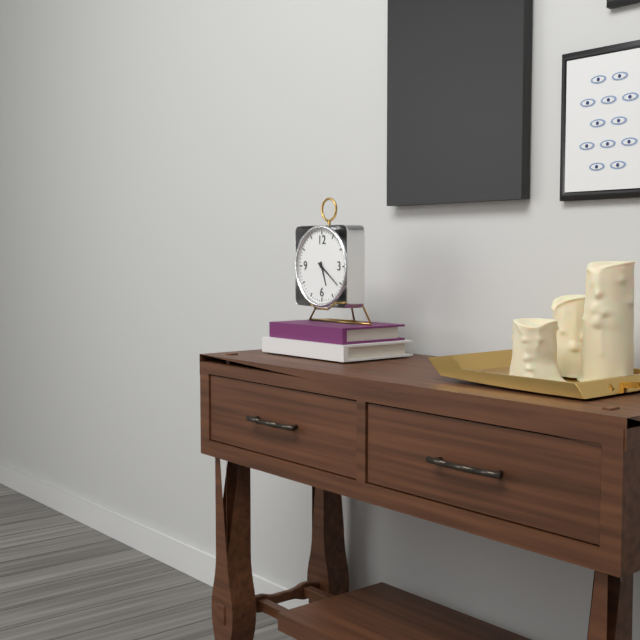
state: 5:21
